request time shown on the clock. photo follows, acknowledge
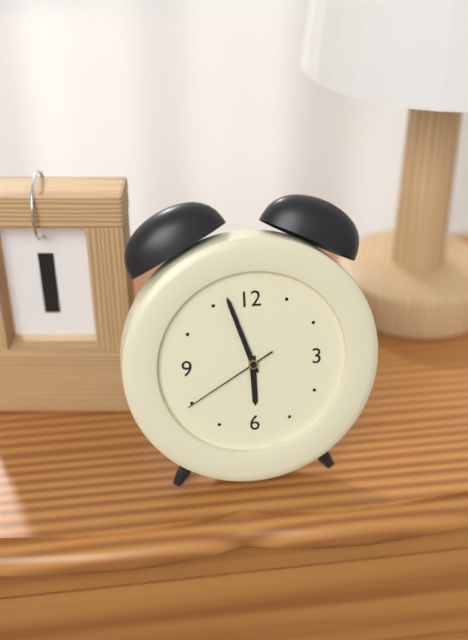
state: 5:57:40
